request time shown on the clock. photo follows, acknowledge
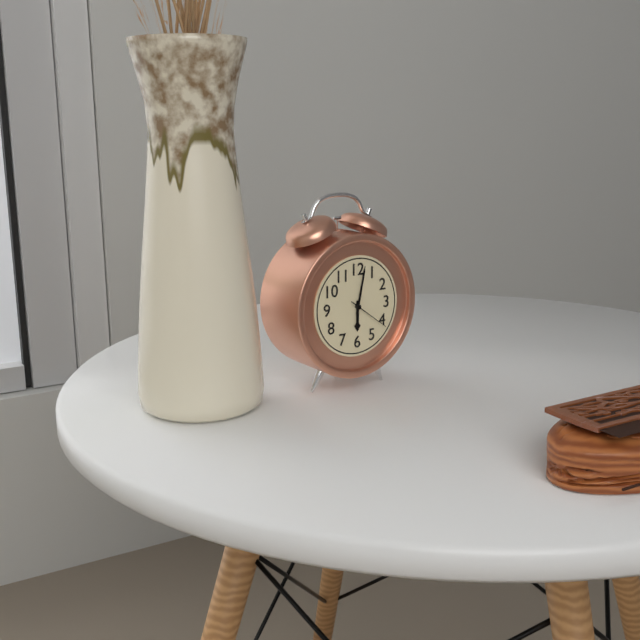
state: 6:02
